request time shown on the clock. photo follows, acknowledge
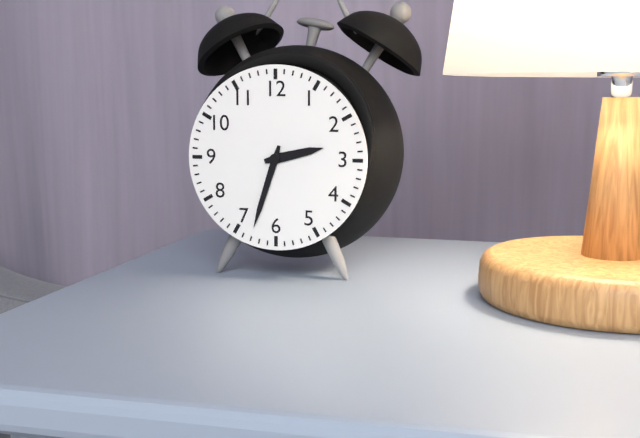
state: 2:33
